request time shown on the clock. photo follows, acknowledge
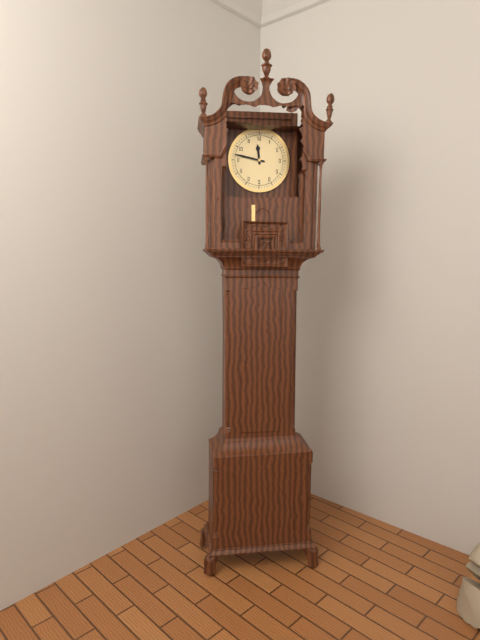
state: 11:47
